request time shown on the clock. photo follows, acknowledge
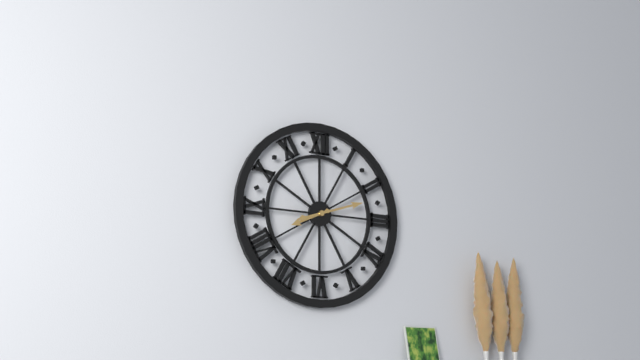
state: 8:12
